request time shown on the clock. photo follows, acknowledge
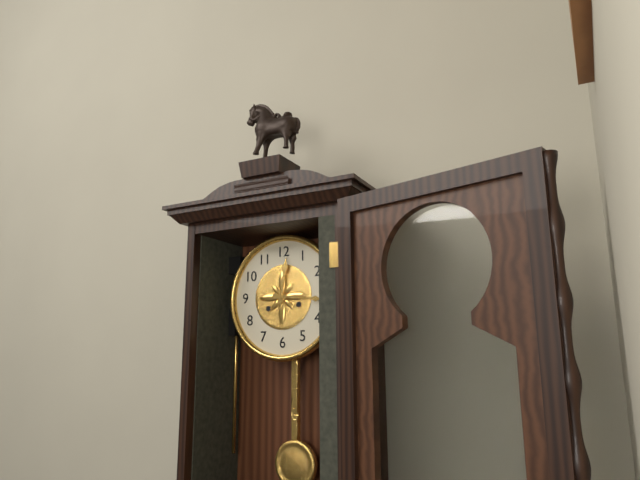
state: 12:16
